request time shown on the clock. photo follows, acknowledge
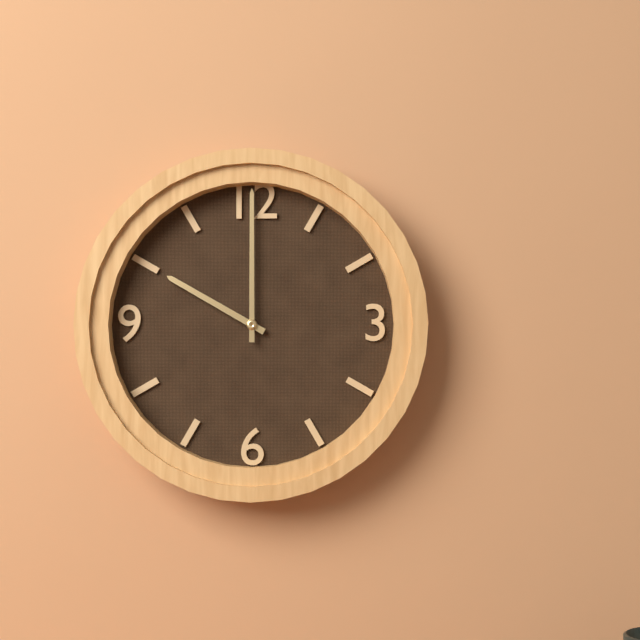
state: 10:00
